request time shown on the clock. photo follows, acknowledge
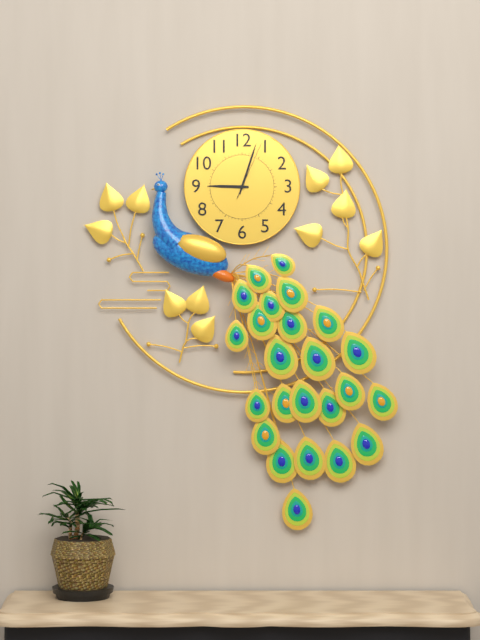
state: 9:03:04
